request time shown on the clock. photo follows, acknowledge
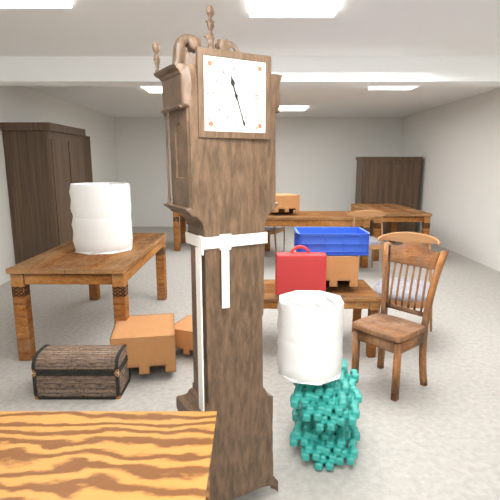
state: 11:27
